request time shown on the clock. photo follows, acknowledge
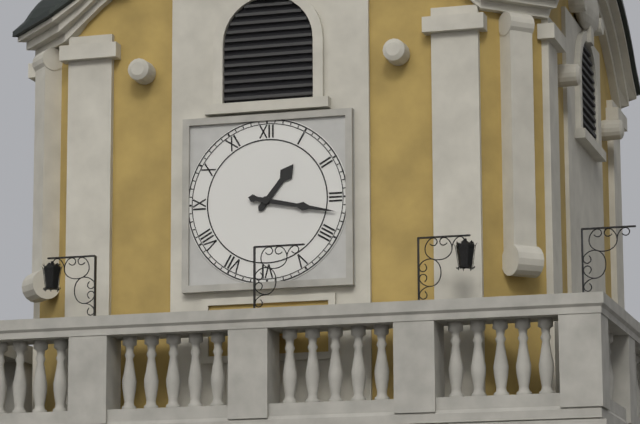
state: 1:17
